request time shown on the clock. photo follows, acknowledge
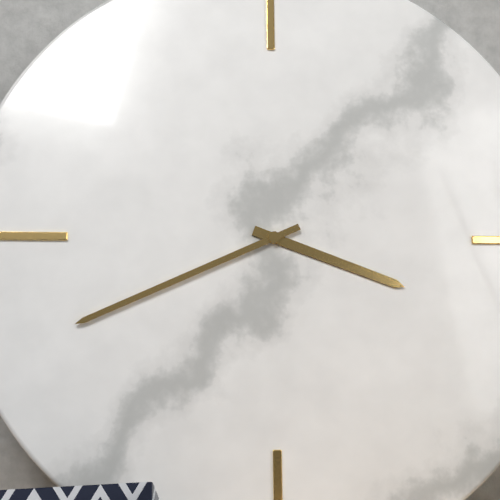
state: 3:41
